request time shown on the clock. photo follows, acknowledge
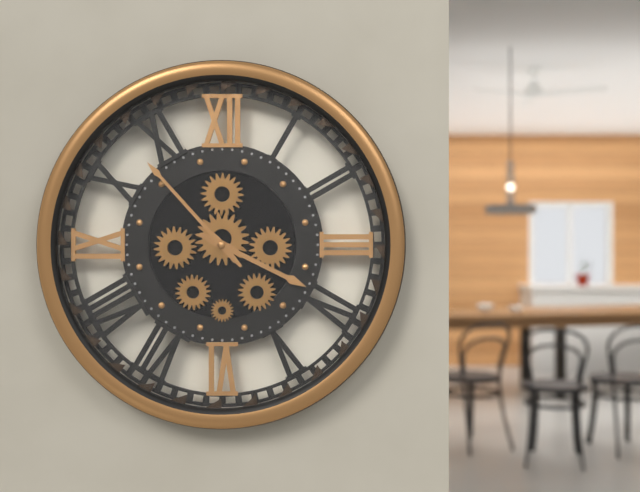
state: 3:53
